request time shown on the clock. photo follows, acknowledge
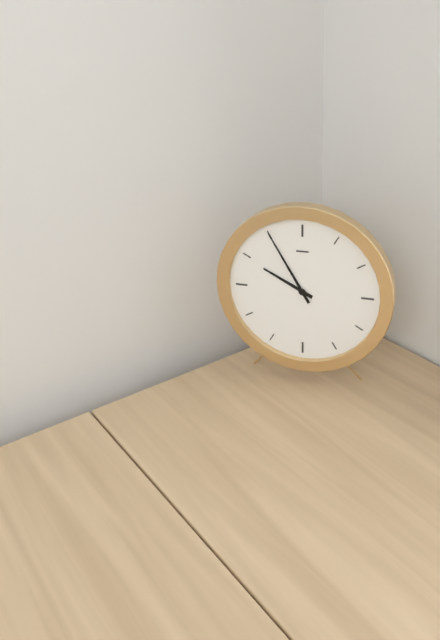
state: 9:55
